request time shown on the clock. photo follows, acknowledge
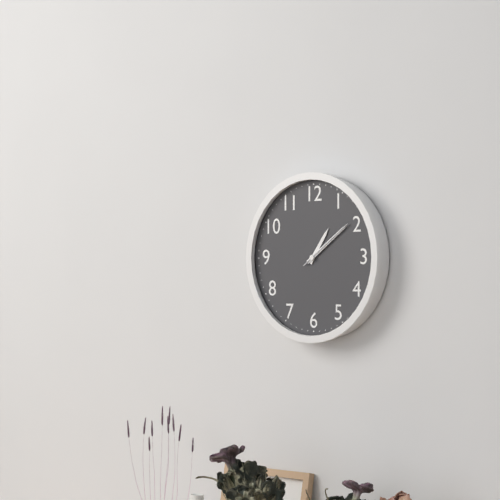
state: 1:09:09
